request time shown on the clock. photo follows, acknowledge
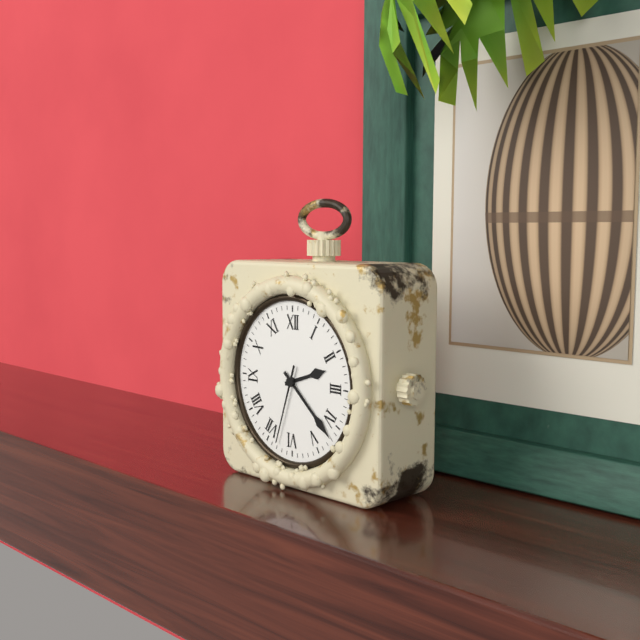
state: 2:22:33
